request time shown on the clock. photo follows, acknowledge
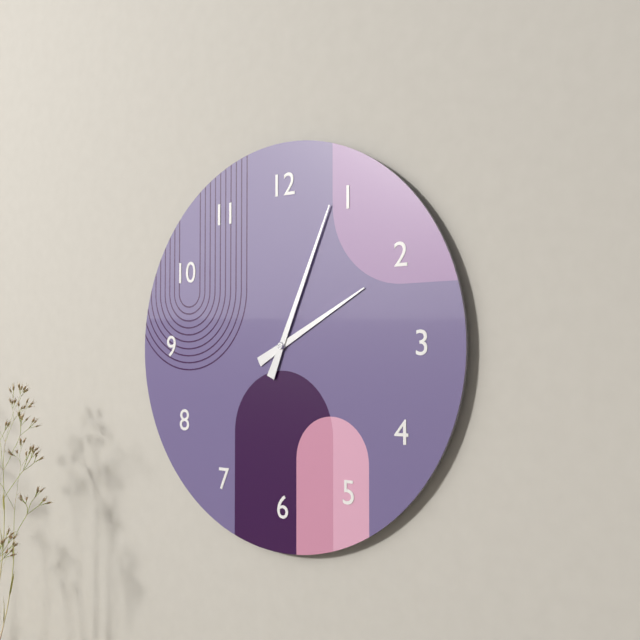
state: 2:04
